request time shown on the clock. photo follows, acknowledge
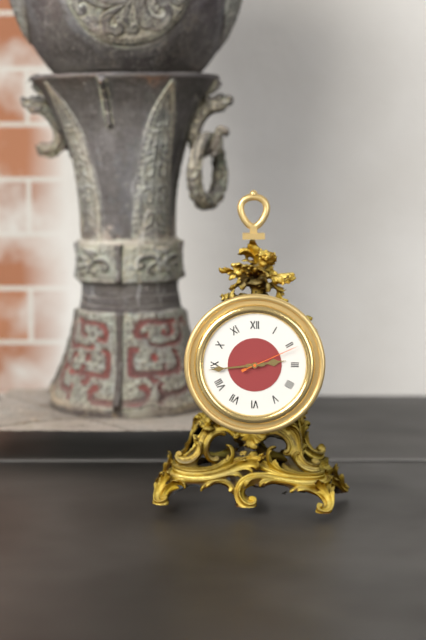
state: 2:44:11
